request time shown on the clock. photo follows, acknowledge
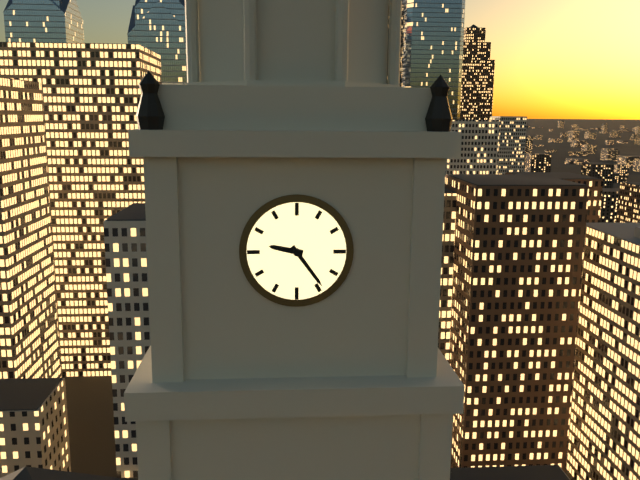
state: 9:24
